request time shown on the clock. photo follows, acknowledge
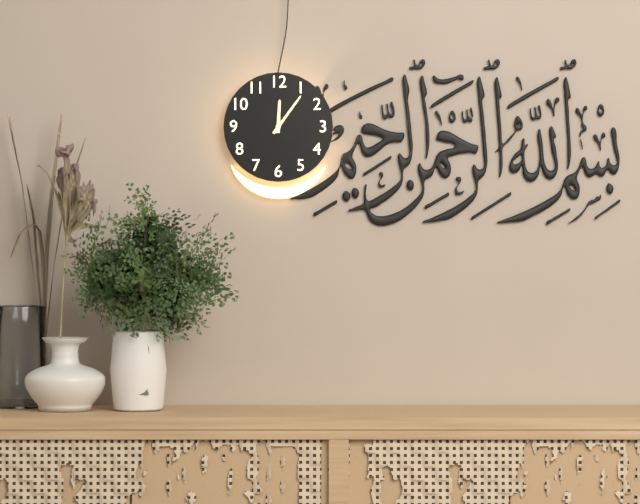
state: 12:06
